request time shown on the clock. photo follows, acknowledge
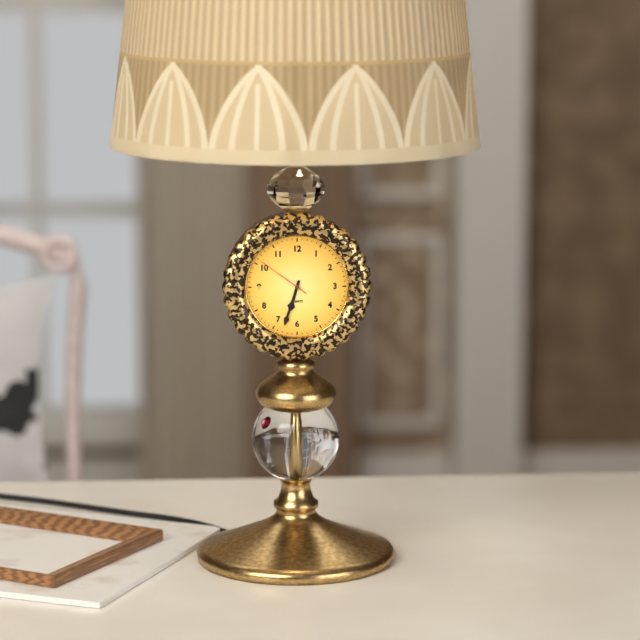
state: 6:33:51
